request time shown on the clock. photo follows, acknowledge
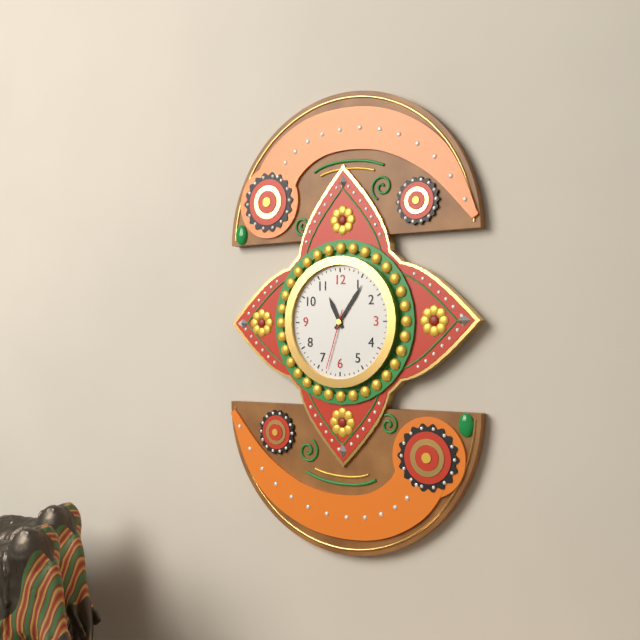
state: 11:06:33
